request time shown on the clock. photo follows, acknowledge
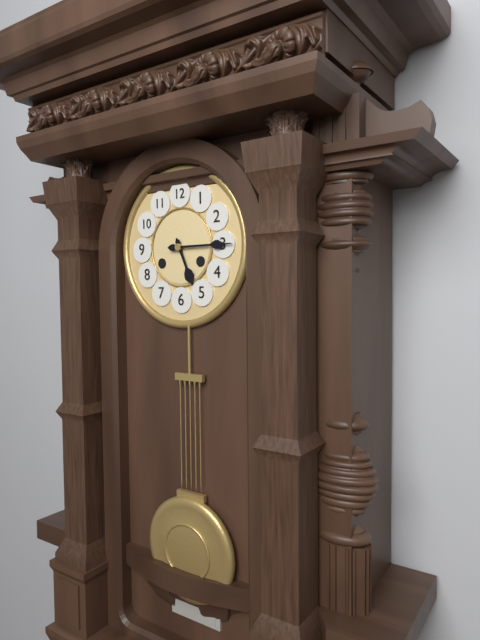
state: 5:15
